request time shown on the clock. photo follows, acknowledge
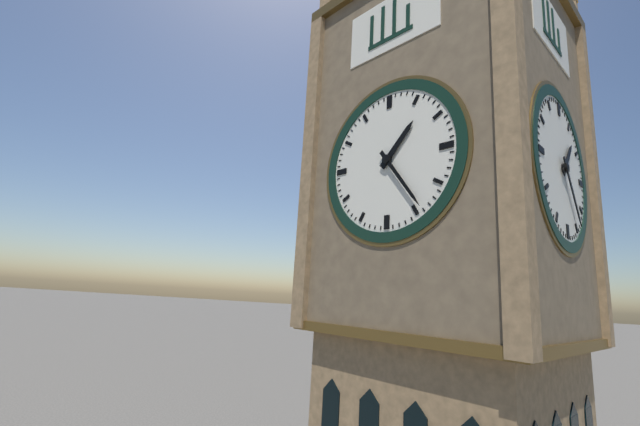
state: 1:24
